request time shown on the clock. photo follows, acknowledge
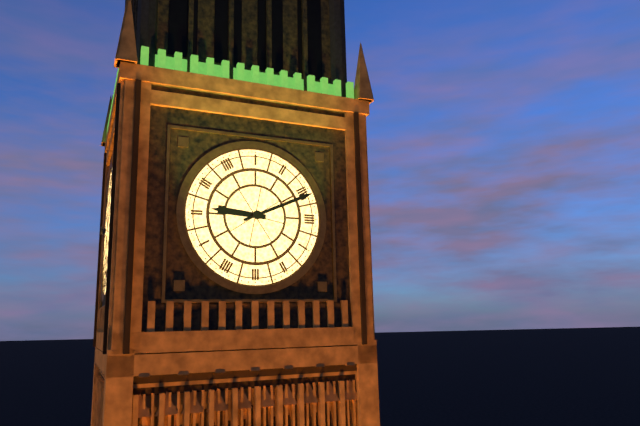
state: 9:11
